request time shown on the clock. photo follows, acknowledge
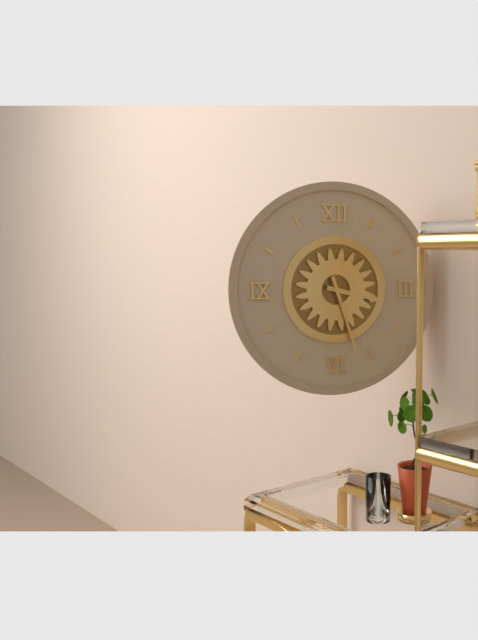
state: 3:27
